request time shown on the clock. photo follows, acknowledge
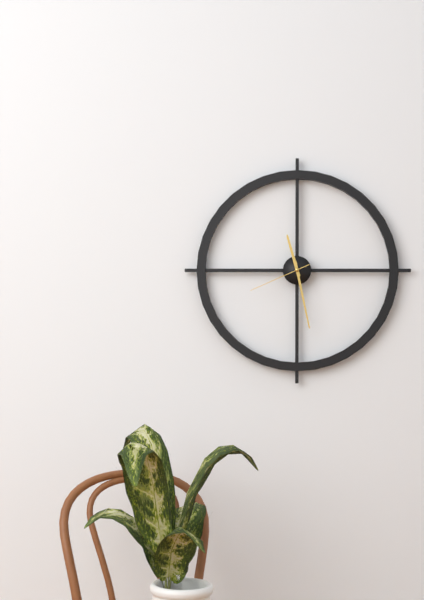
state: 11:28:41
